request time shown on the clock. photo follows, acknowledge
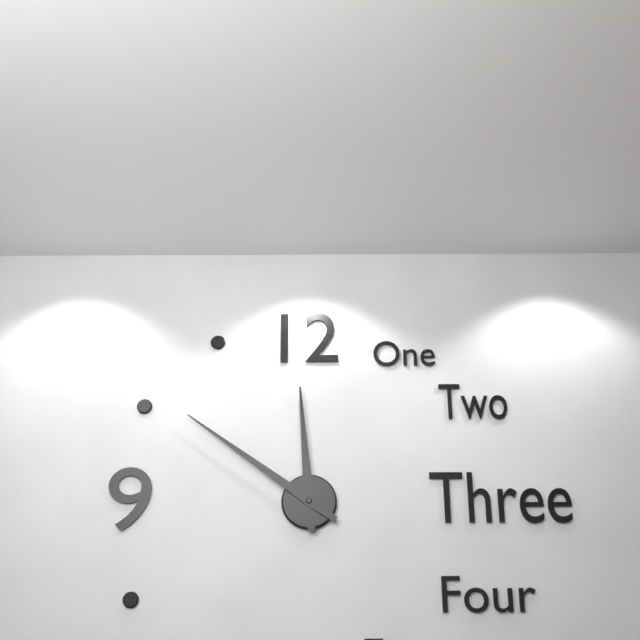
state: 11:51
